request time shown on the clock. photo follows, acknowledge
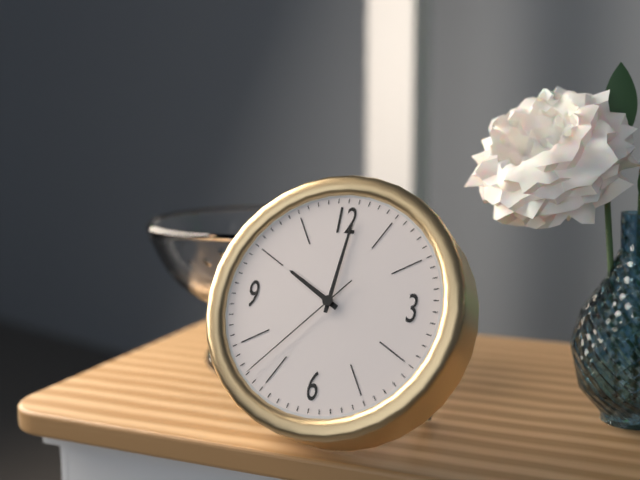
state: 10:01:37
